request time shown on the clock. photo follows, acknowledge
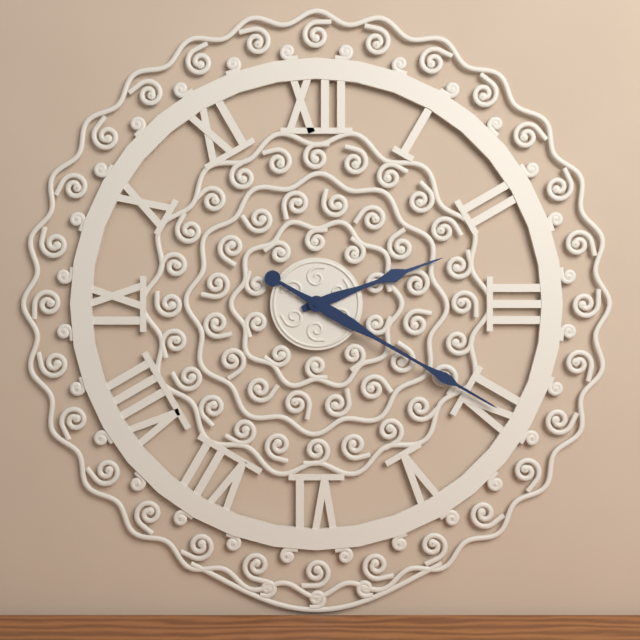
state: 2:20
